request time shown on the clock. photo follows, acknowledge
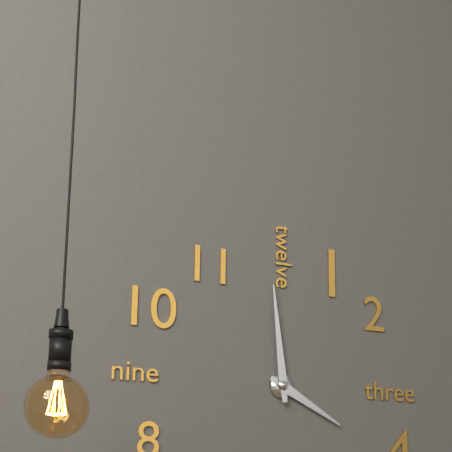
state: 3:59
